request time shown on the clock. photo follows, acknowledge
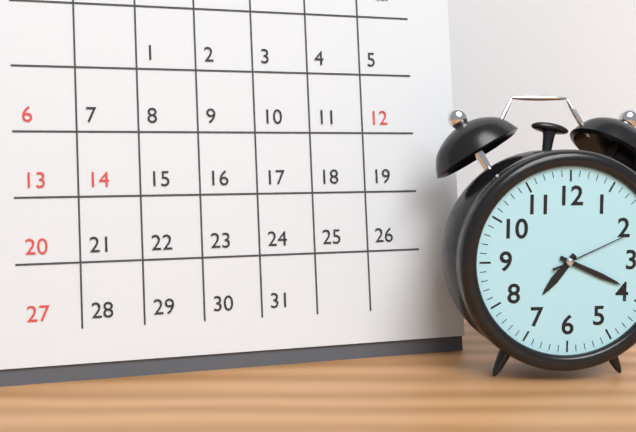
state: 7:19:11
